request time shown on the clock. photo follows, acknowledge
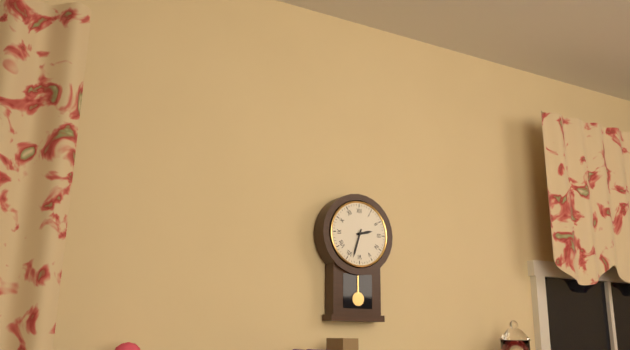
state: 2:33
